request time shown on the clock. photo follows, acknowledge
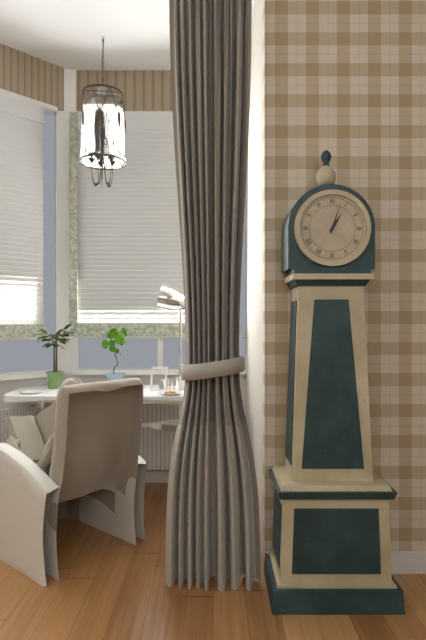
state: 1:03
